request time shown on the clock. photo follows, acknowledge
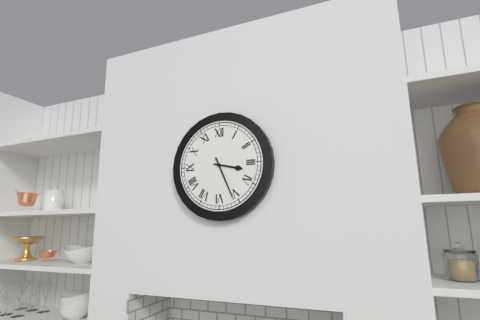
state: 3:26
